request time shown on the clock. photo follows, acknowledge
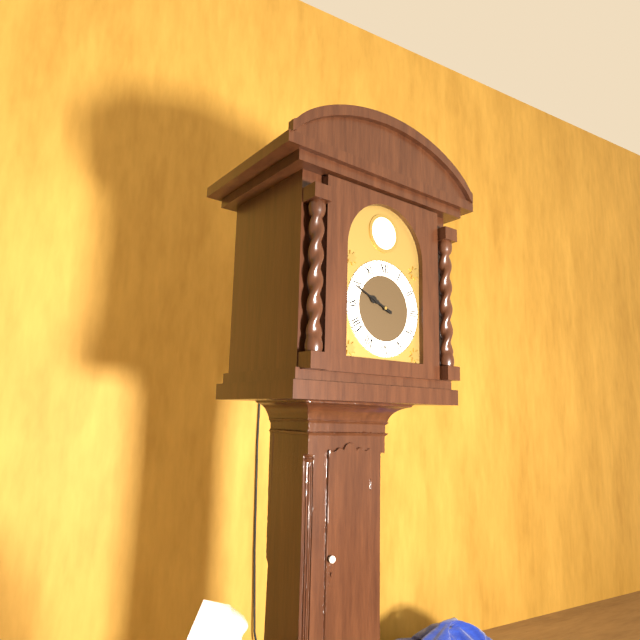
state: 9:49
